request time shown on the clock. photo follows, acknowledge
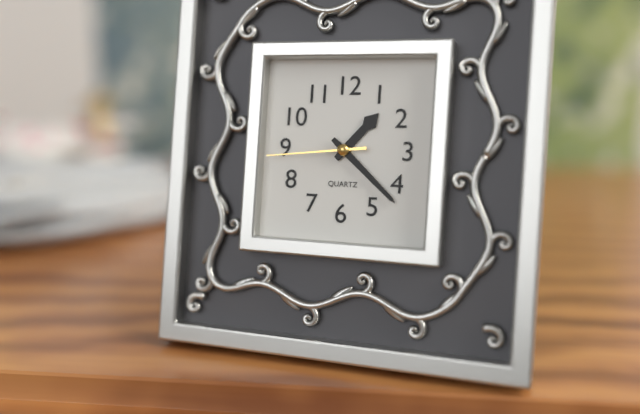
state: 1:22:44
